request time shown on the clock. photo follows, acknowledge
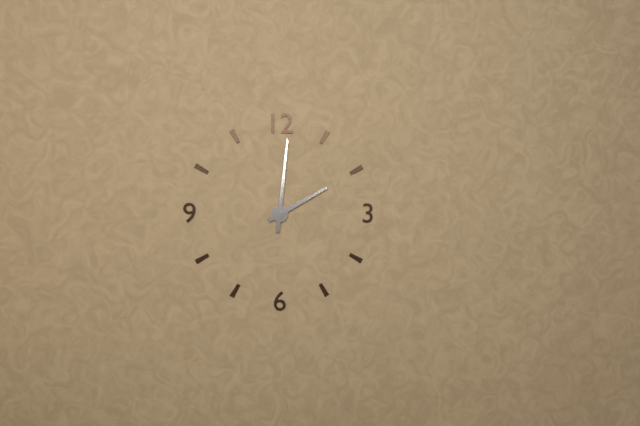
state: 2:01
